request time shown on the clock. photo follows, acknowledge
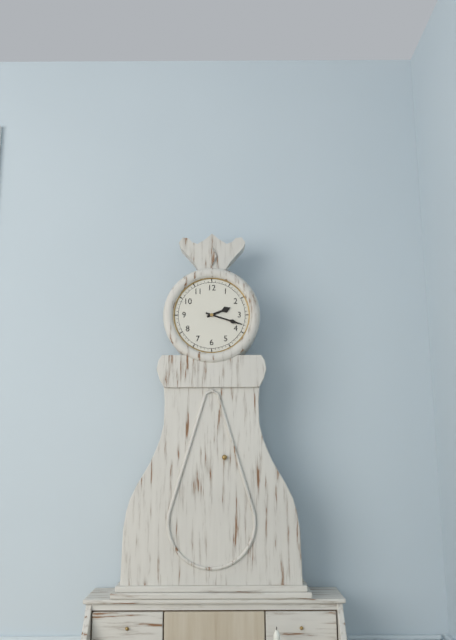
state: 2:18
